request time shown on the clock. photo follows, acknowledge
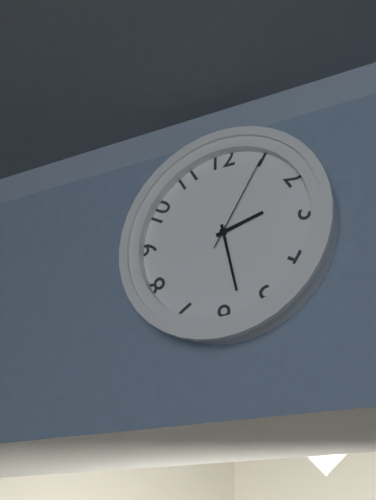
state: 2:28:05
